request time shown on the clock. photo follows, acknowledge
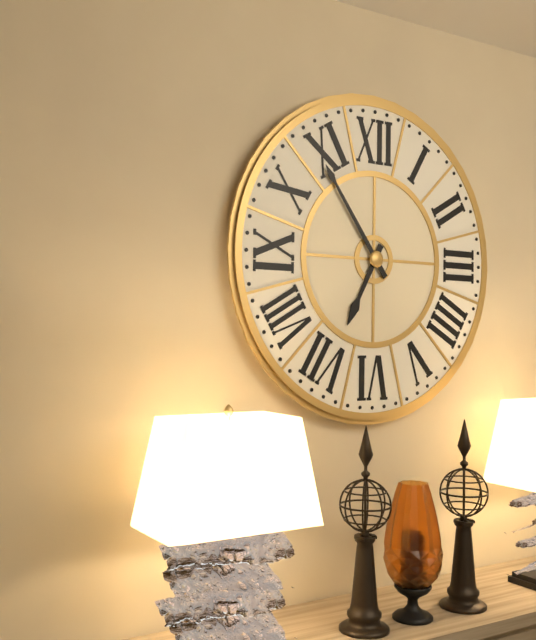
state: 6:54
